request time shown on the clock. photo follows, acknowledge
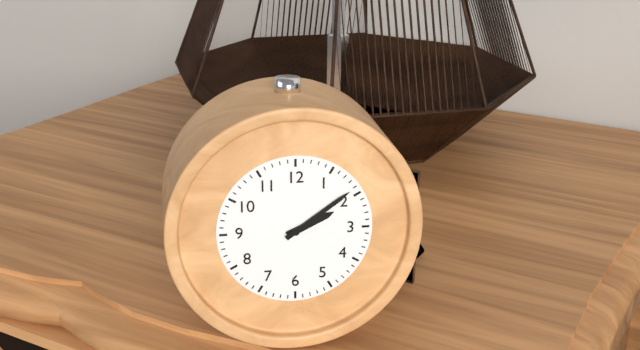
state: 2:09
